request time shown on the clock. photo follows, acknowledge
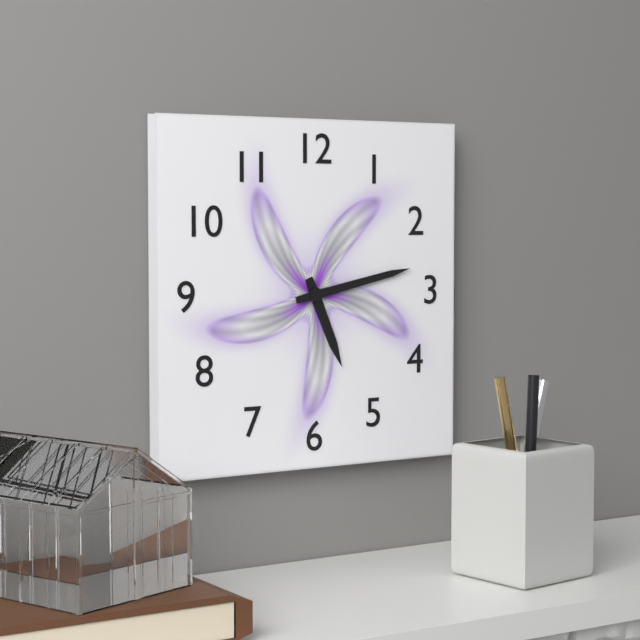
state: 5:13
